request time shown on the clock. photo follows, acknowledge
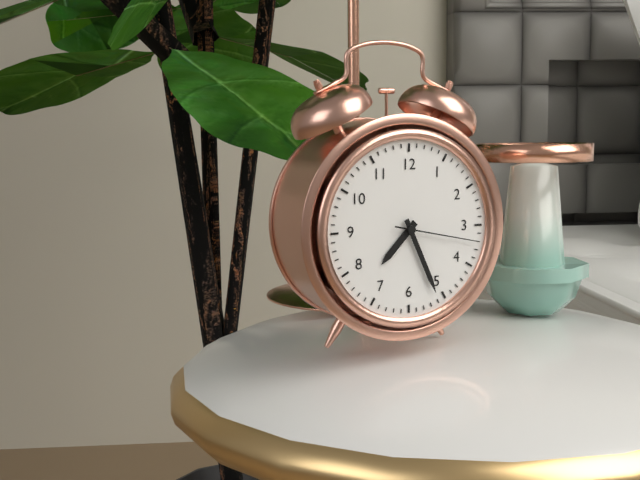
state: 7:26:17
